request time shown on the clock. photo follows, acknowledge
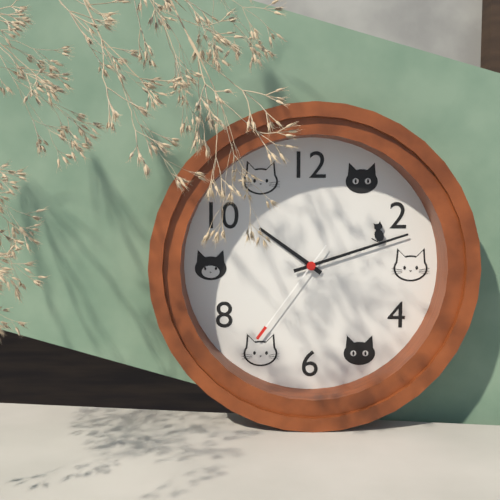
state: 10:12:36
